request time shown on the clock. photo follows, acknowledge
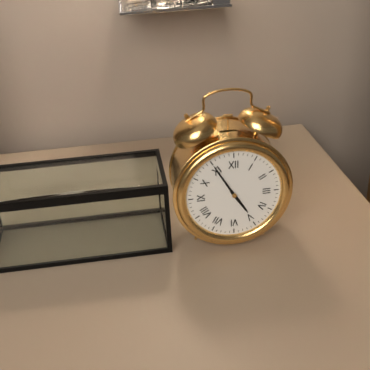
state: 4:55
